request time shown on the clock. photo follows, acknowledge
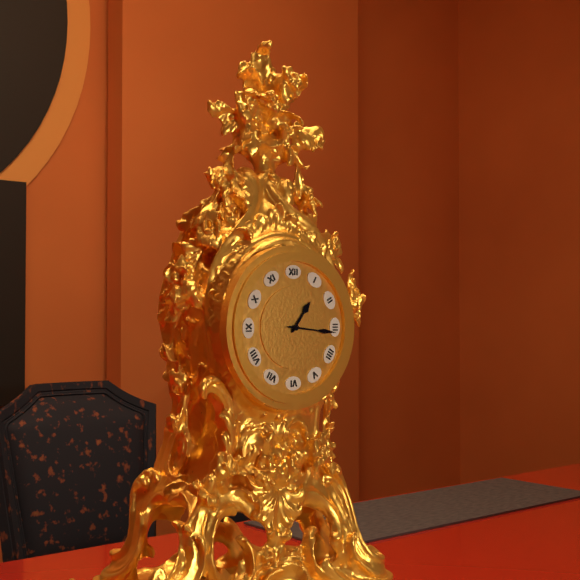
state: 1:16
